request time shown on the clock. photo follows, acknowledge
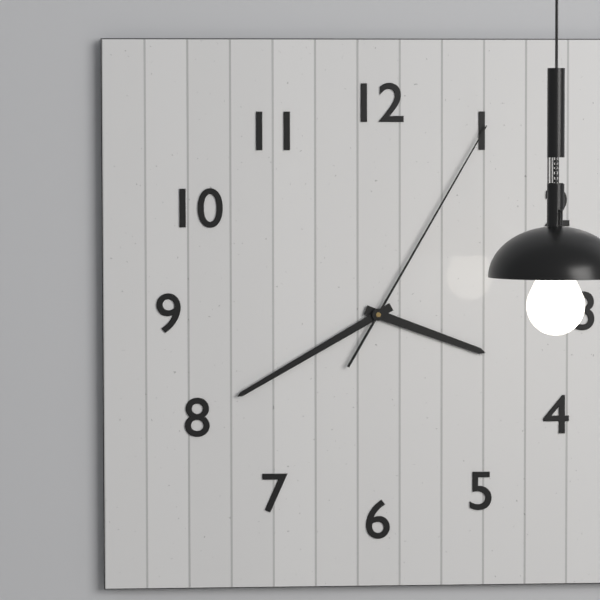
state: 3:40:05
